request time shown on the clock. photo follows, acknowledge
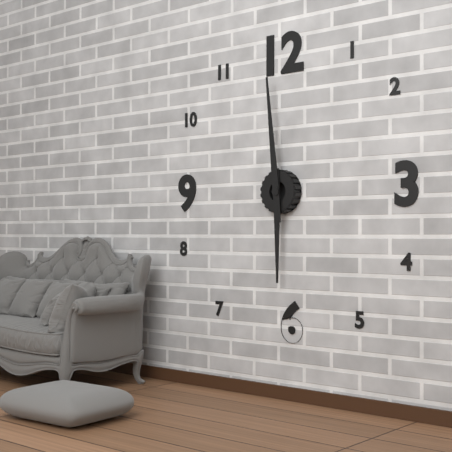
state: 5:59
